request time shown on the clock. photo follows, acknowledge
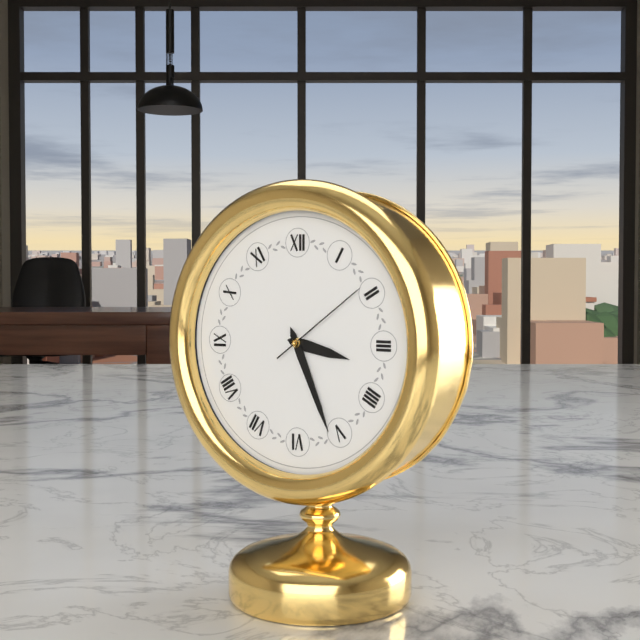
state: 3:26:09
